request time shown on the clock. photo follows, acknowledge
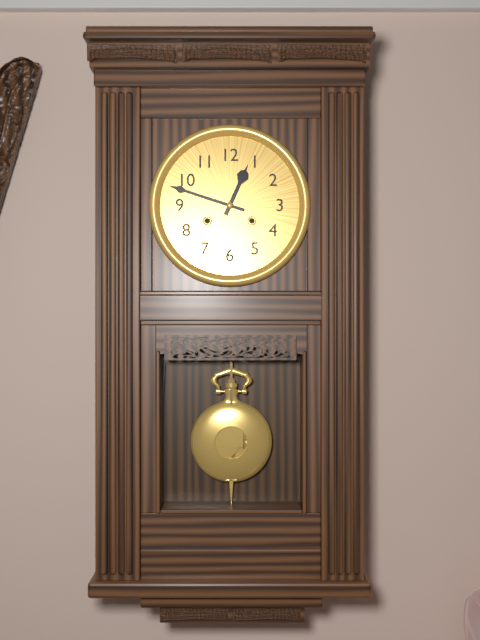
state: 12:48
